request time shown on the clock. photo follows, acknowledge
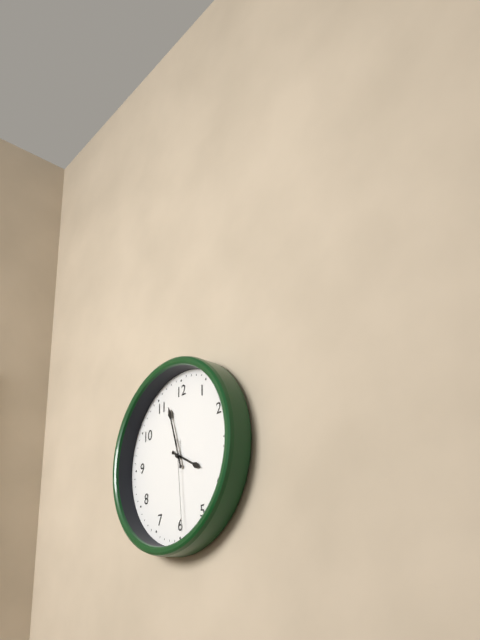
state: 3:57:29
